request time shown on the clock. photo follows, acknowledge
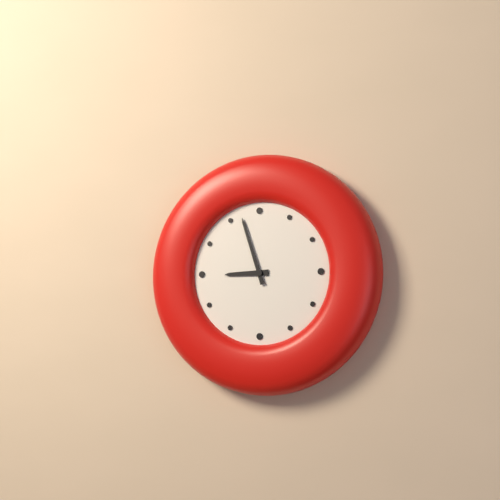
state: 8:57
